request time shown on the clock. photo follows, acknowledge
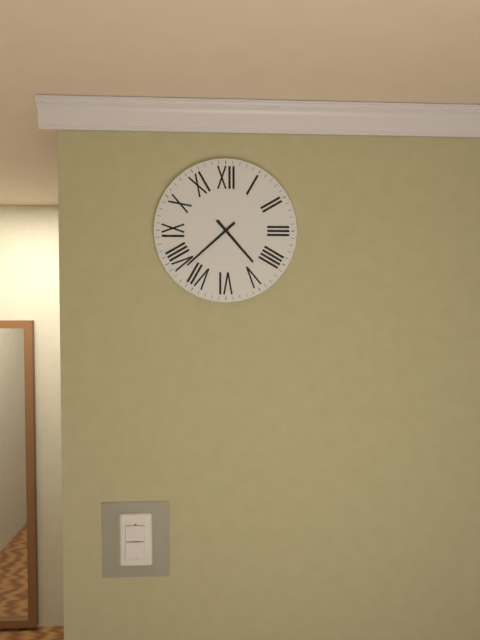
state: 4:38
